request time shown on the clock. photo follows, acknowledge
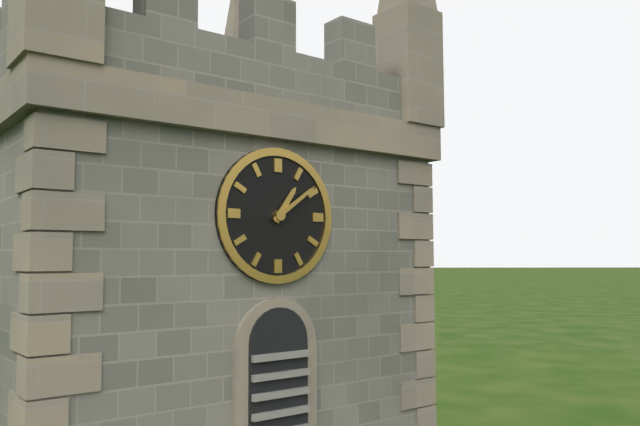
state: 1:09
